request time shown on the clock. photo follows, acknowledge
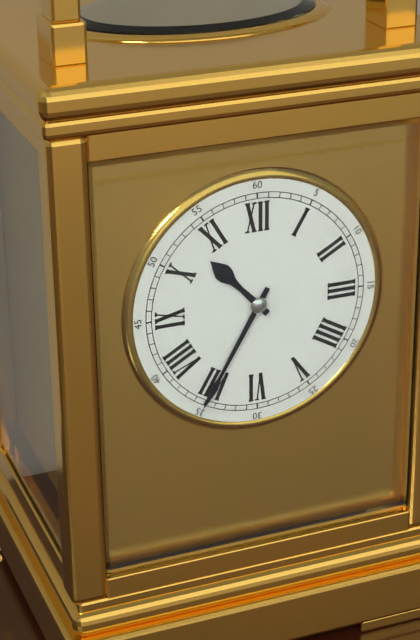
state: 10:35
